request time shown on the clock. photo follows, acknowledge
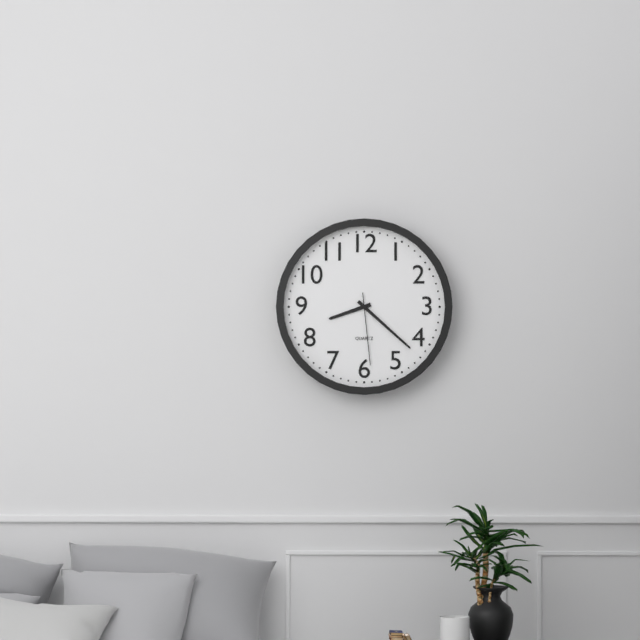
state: 8:22:29
